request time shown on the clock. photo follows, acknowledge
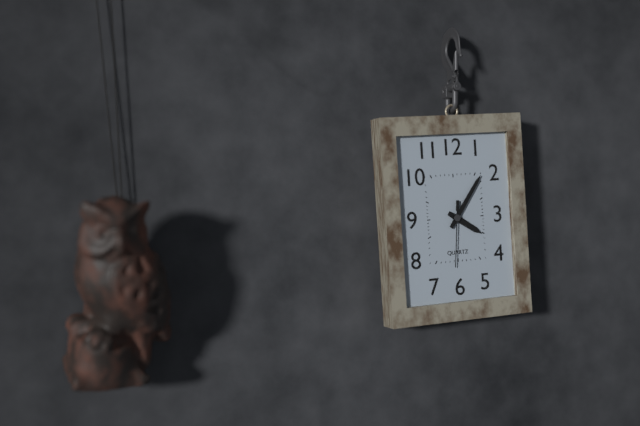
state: 4:06:31
